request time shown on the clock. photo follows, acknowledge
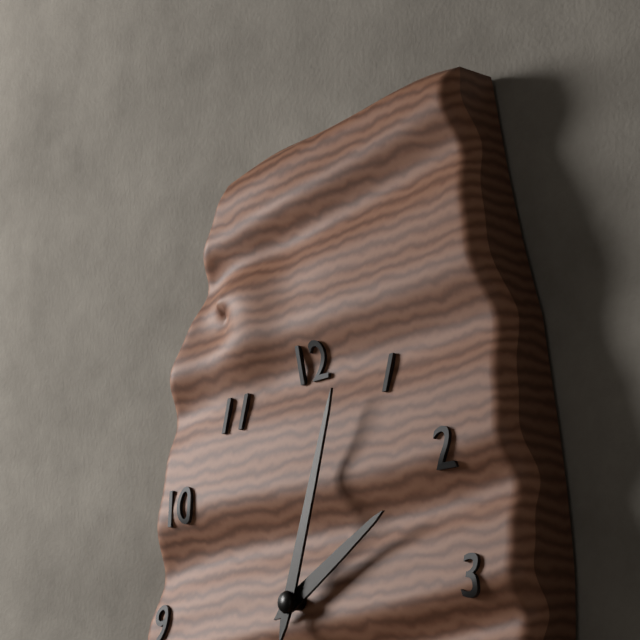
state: 2:03
